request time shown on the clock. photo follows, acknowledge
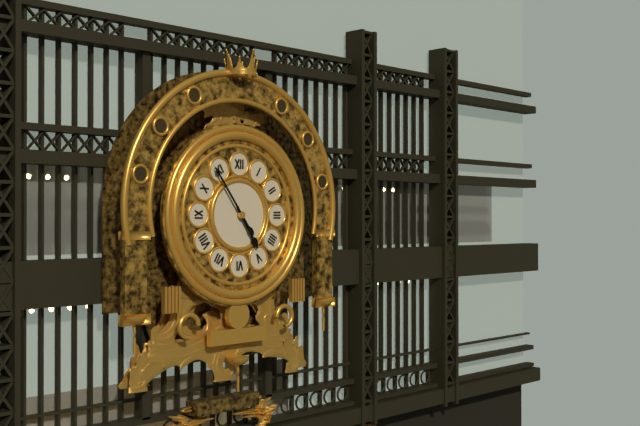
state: 4:54
